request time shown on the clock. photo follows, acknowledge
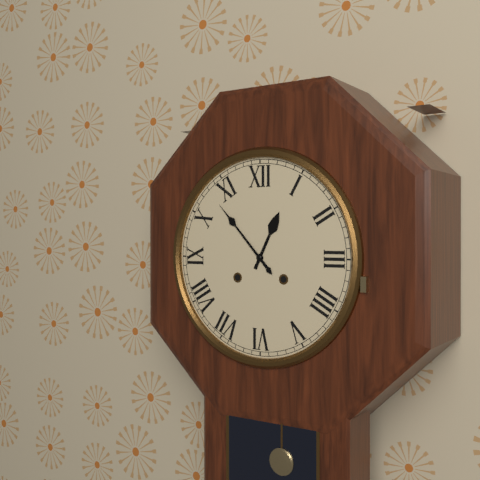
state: 12:53
